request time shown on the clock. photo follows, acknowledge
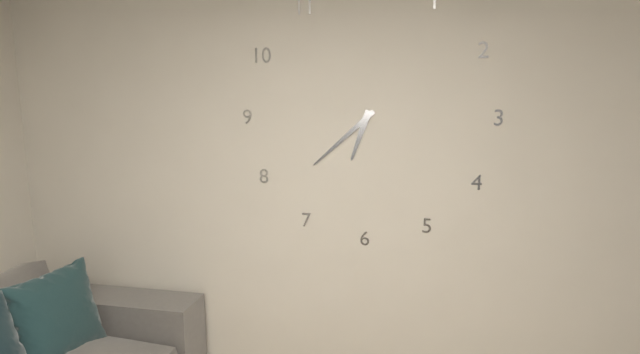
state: 6:38
